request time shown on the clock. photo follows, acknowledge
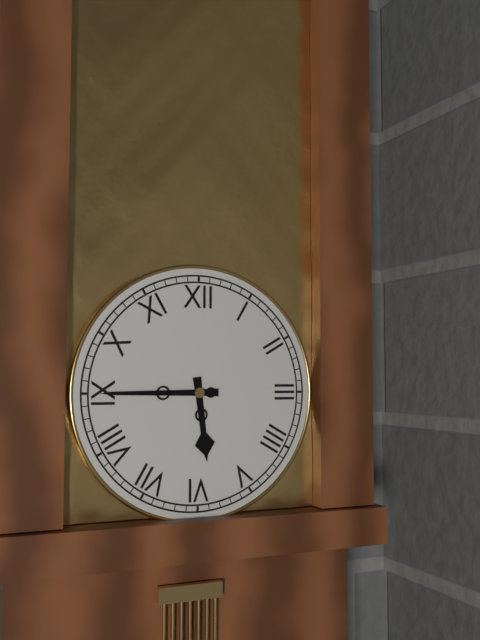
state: 5:45
